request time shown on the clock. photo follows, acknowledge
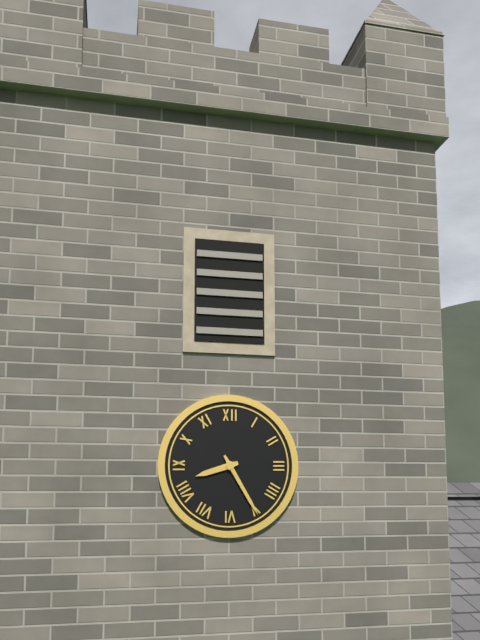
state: 8:25
